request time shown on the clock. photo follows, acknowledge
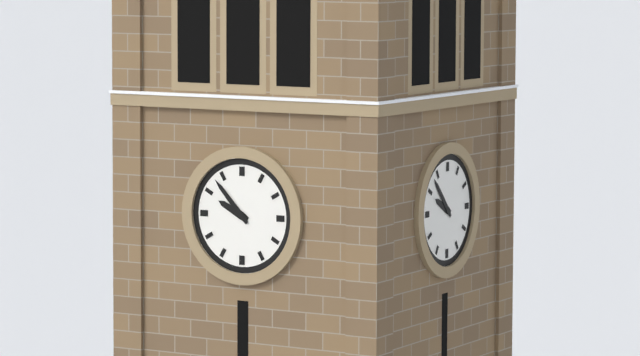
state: 9:53
